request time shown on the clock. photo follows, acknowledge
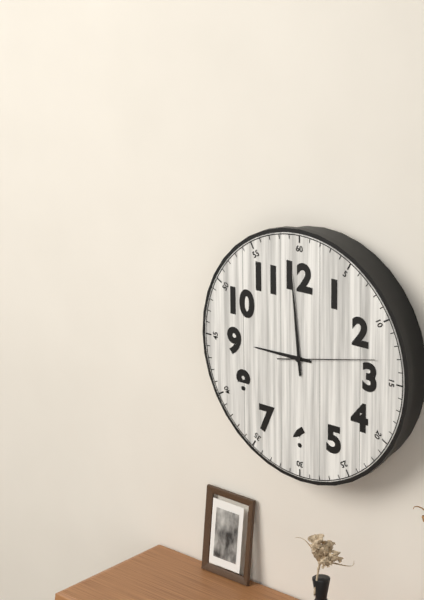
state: 8:59:13
